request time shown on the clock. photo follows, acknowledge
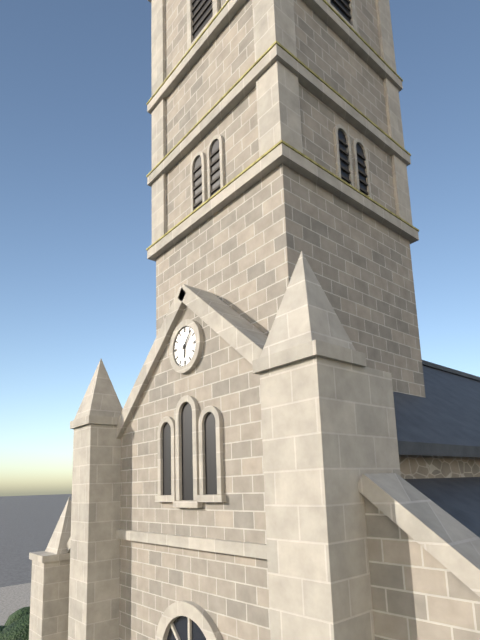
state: 6:07
